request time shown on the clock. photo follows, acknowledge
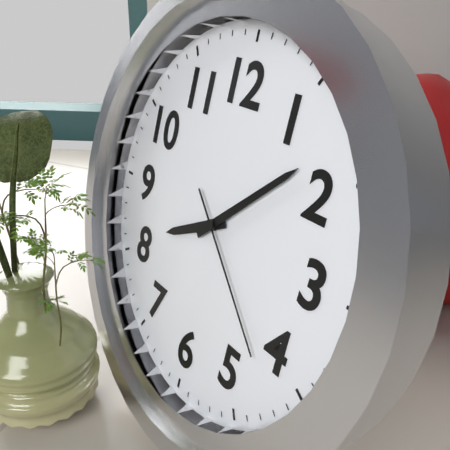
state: 8:08:22
